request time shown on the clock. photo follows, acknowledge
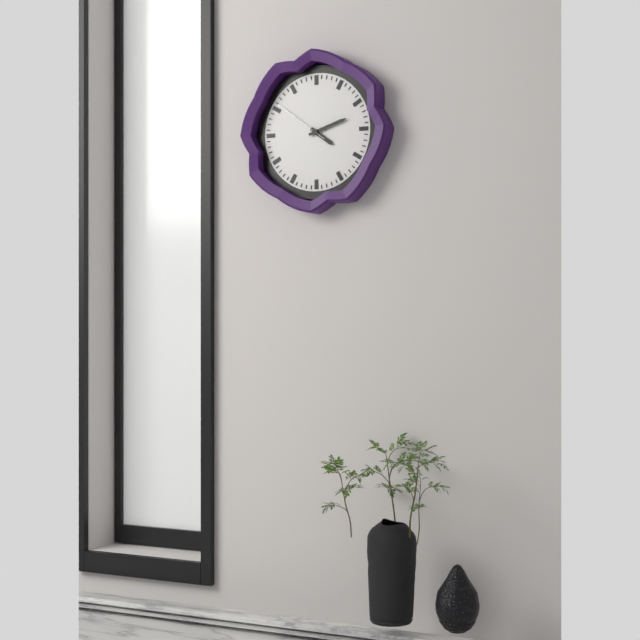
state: 4:12:51
